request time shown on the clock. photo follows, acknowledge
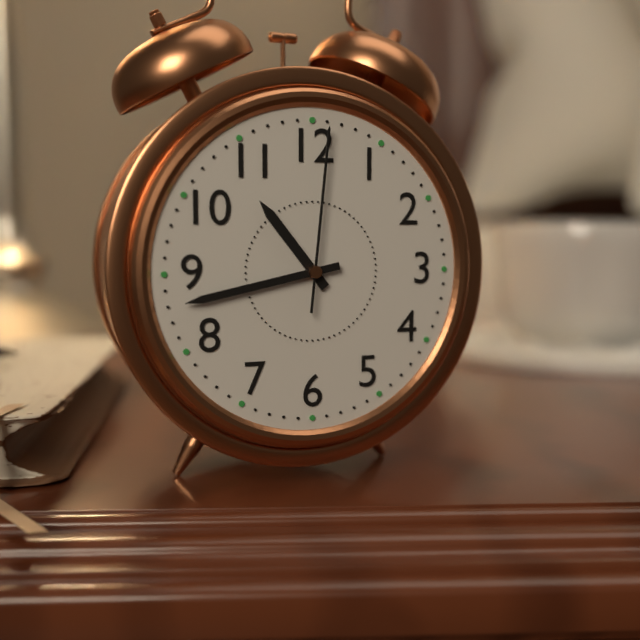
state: 10:43:01
